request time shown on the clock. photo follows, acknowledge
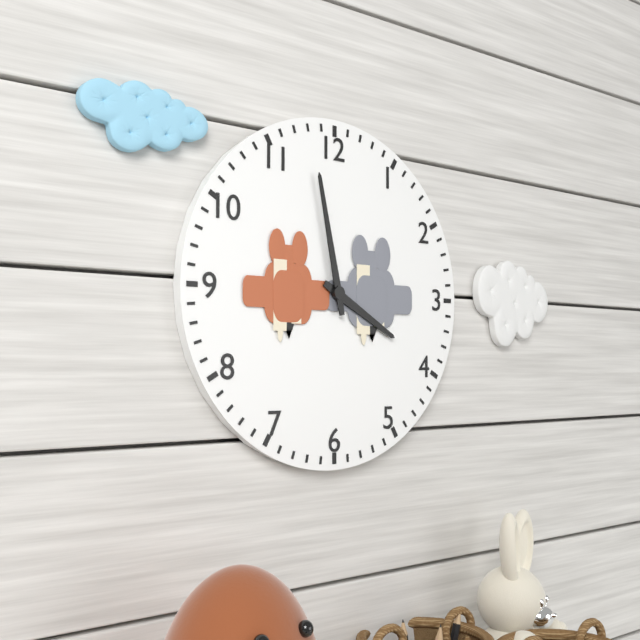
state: 3:58
